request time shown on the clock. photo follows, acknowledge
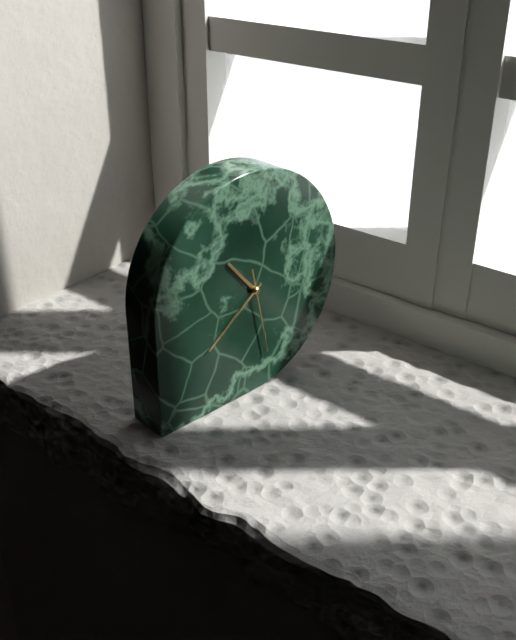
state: 10:39:28
